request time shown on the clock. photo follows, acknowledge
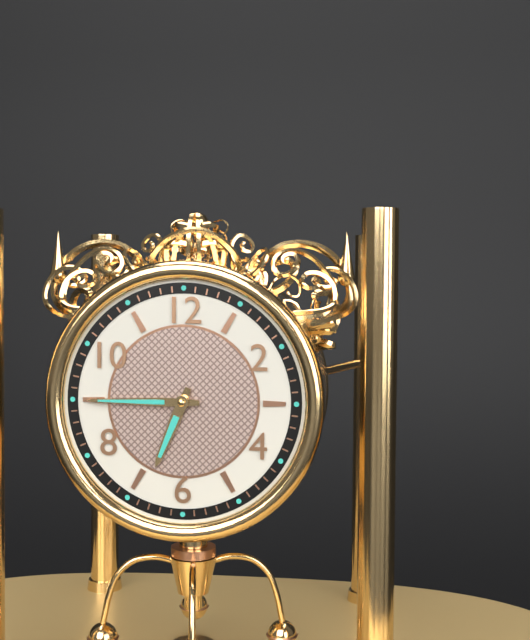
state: 6:45
